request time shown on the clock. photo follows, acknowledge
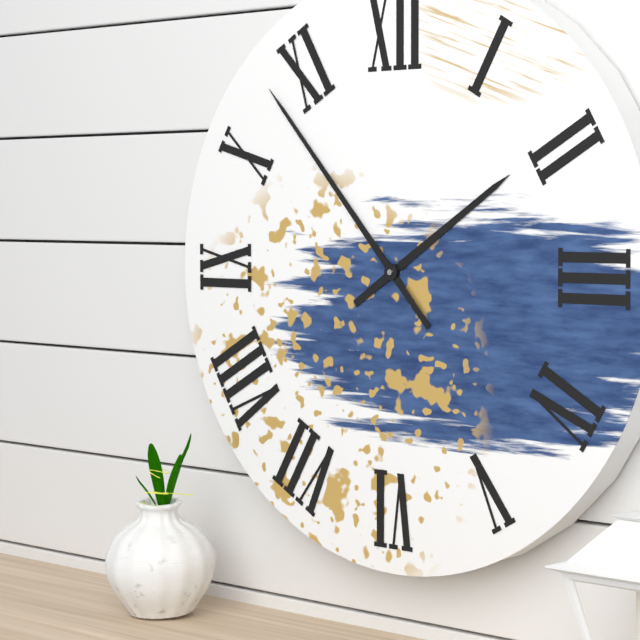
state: 1:53
